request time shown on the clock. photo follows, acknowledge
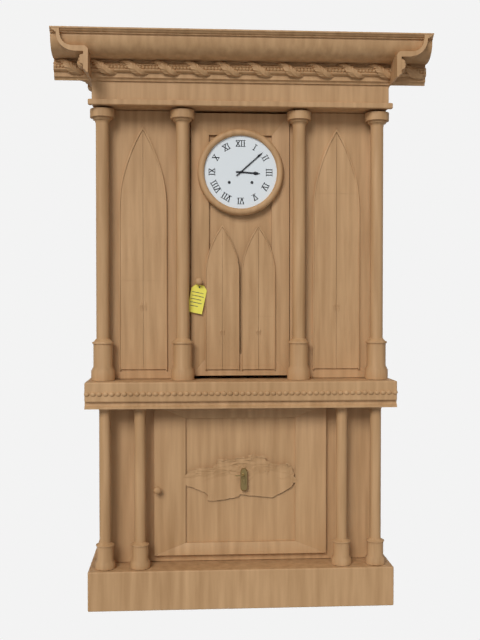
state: 3:08
